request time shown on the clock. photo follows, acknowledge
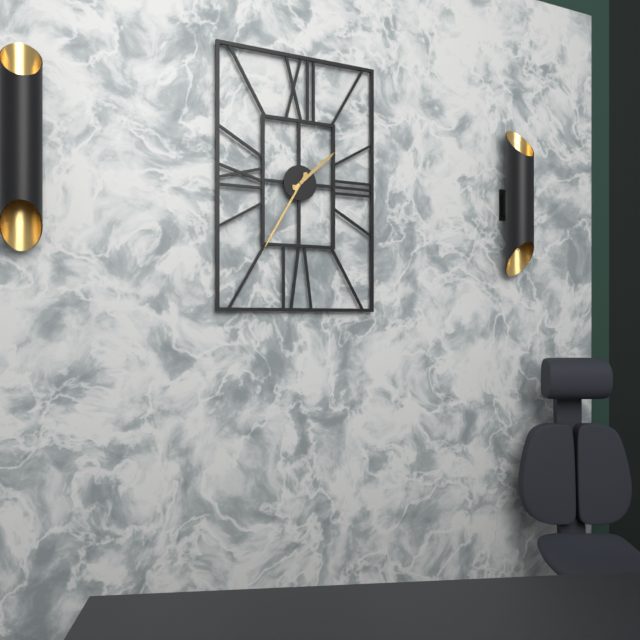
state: 1:35
